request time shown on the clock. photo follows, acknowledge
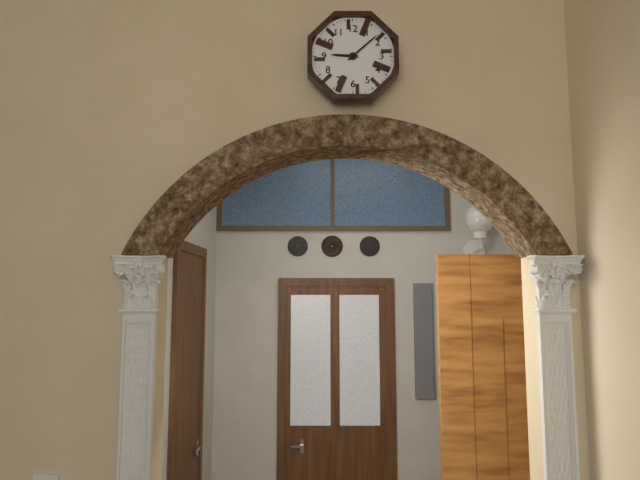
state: 9:08
